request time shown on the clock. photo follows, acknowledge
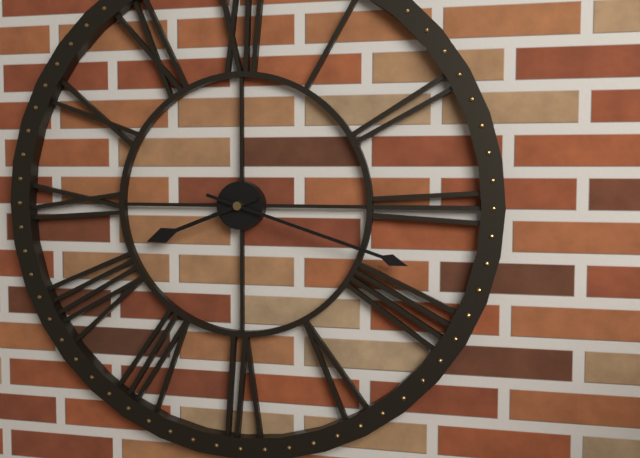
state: 8:18
